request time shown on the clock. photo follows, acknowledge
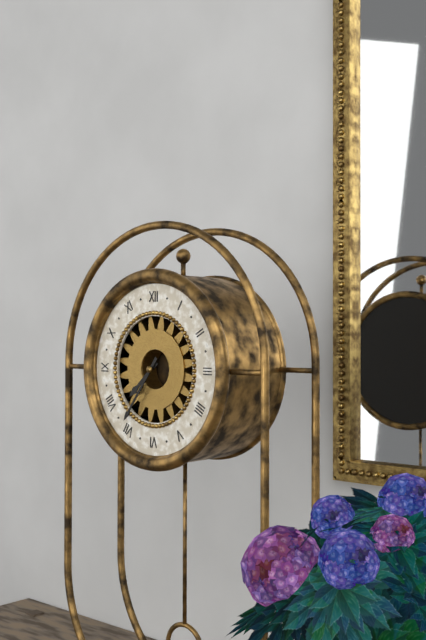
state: 7:36
